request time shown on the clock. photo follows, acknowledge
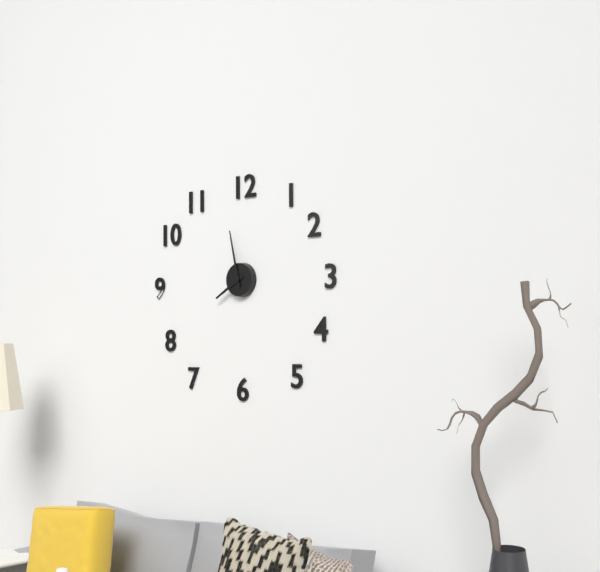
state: 7:58
